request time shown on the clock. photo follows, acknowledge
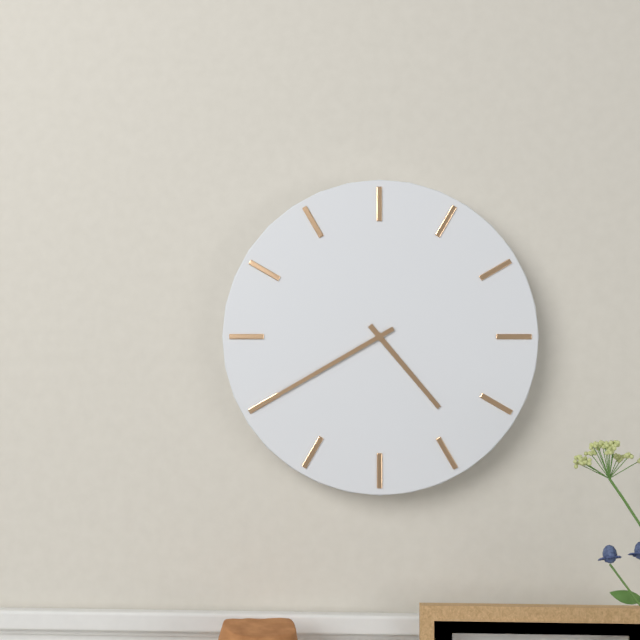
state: 4:40
